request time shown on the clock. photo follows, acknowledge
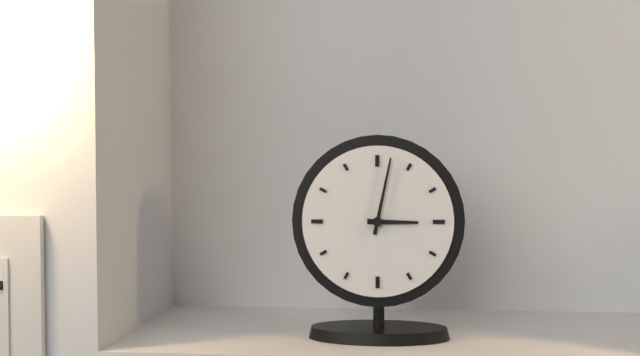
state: 3:02
